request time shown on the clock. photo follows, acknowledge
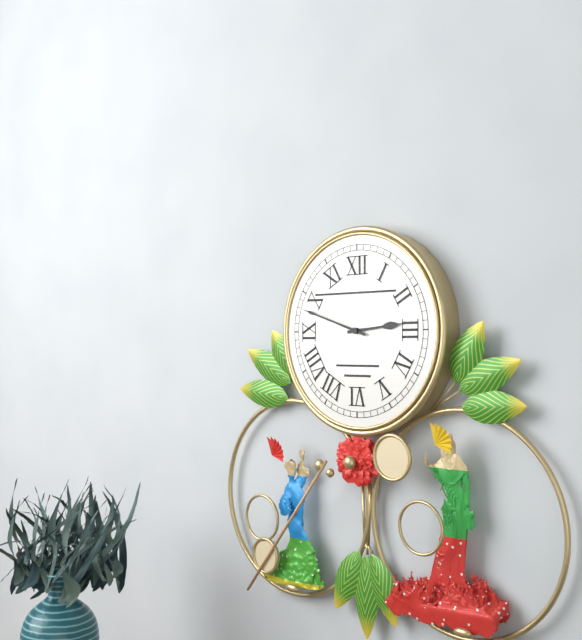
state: 2:48
